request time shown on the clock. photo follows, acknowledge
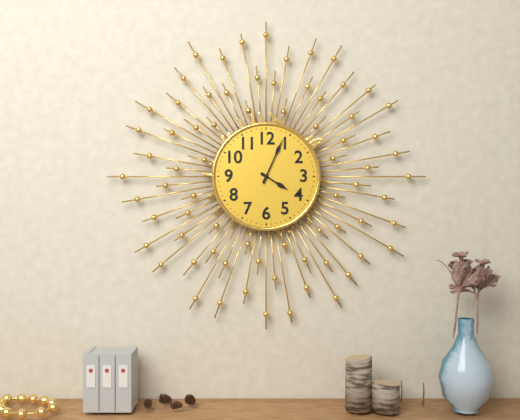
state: 4:04
